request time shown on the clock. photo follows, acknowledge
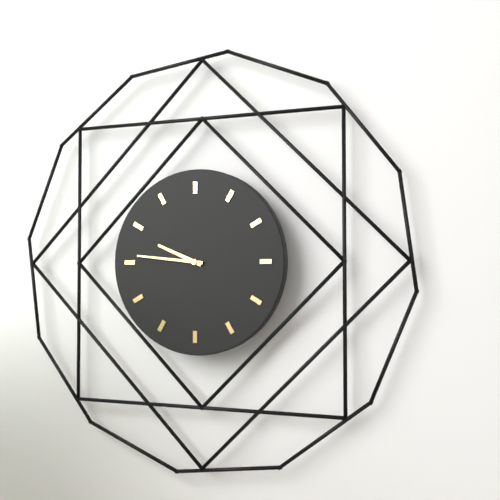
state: 9:46
